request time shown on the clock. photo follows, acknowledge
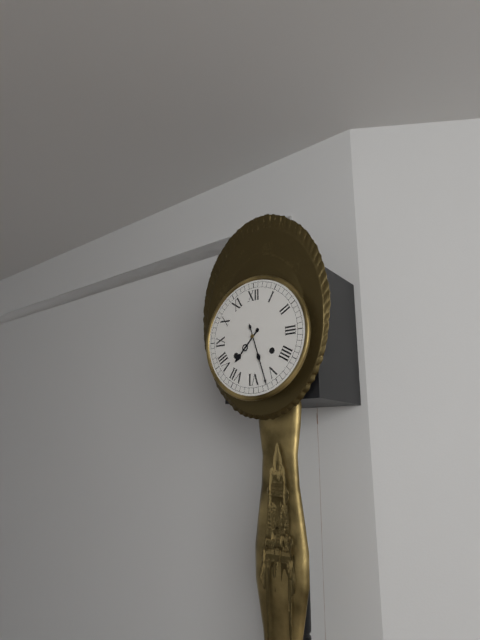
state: 7:27
